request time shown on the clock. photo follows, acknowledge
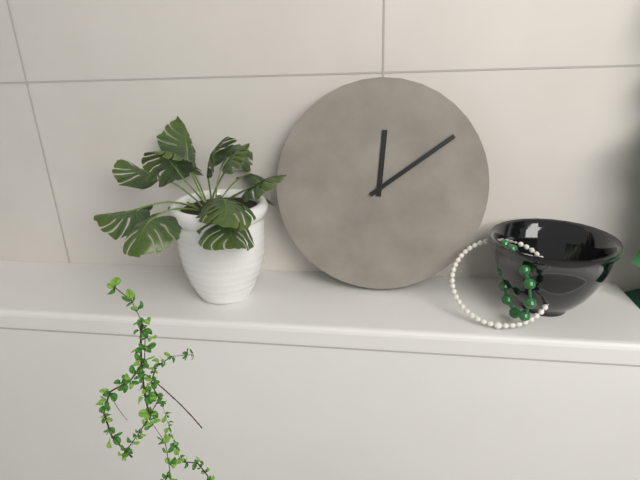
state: 12:09
